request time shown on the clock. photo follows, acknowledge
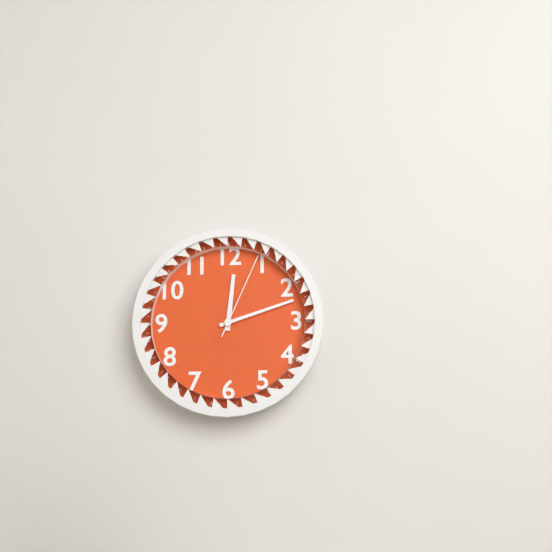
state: 12:12:04
